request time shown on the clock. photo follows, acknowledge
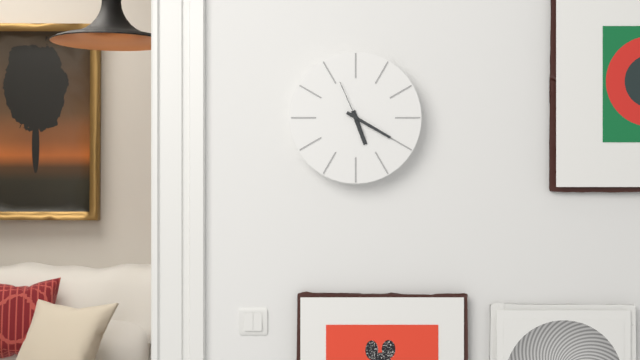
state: 5:20
